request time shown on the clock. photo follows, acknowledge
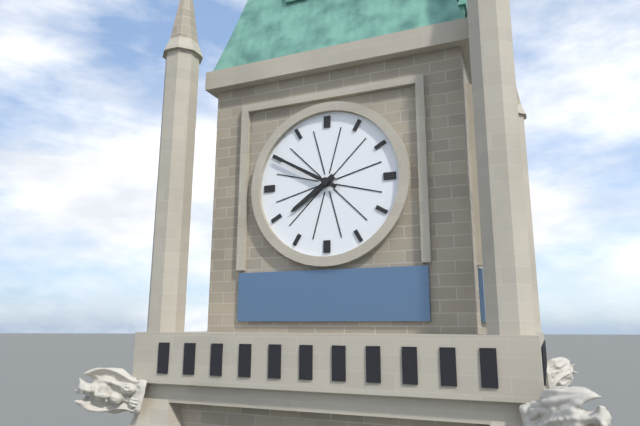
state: 7:50
